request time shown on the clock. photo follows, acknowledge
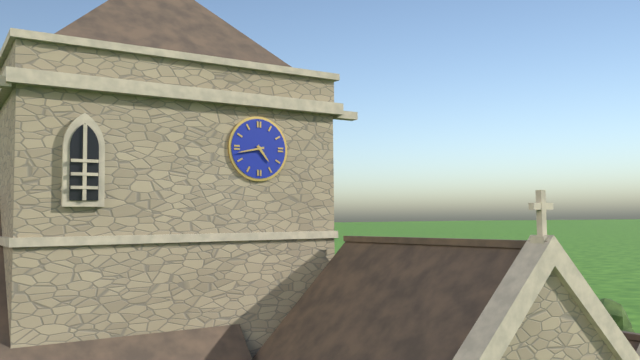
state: 4:43
